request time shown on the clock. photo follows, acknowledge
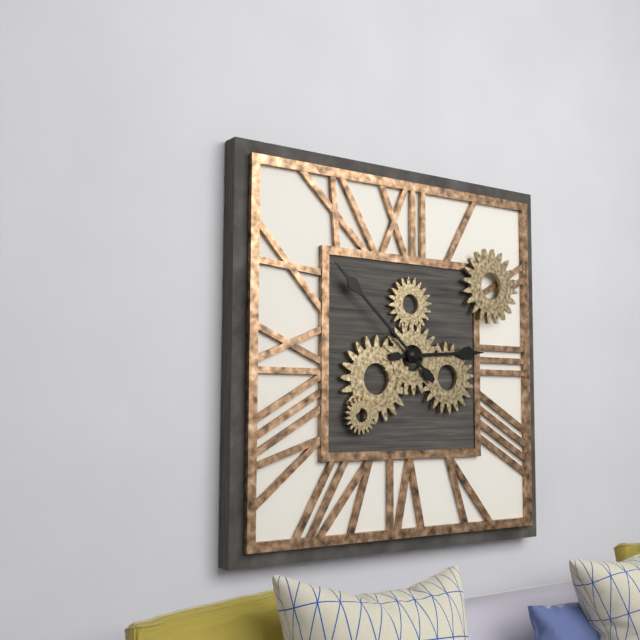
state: 2:52
